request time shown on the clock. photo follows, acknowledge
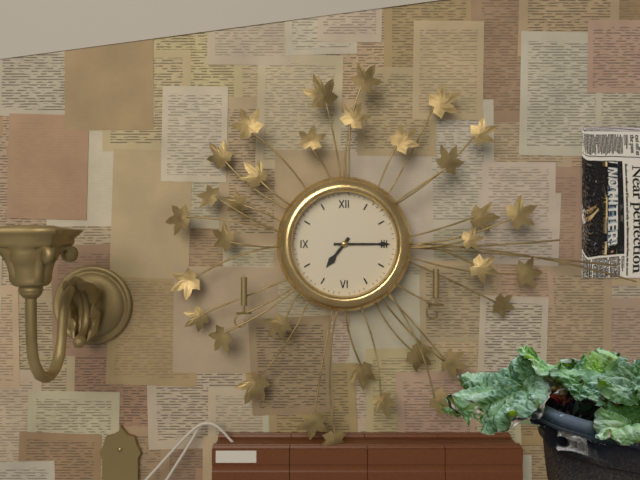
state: 7:15
